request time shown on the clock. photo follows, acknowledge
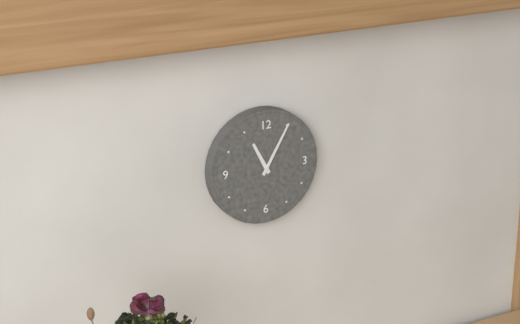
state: 11:05
